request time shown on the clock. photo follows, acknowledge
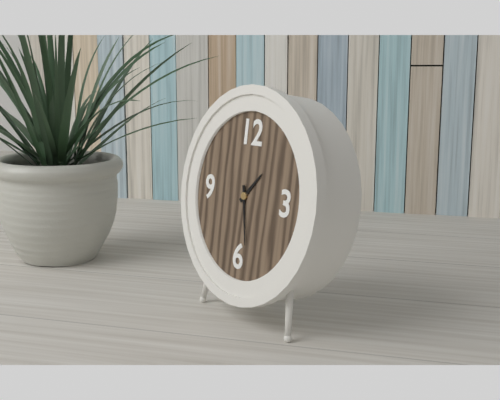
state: 1:28
